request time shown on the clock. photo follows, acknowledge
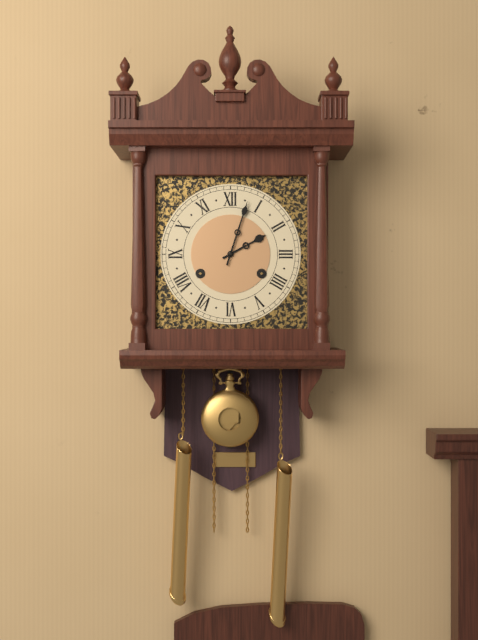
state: 2:03
